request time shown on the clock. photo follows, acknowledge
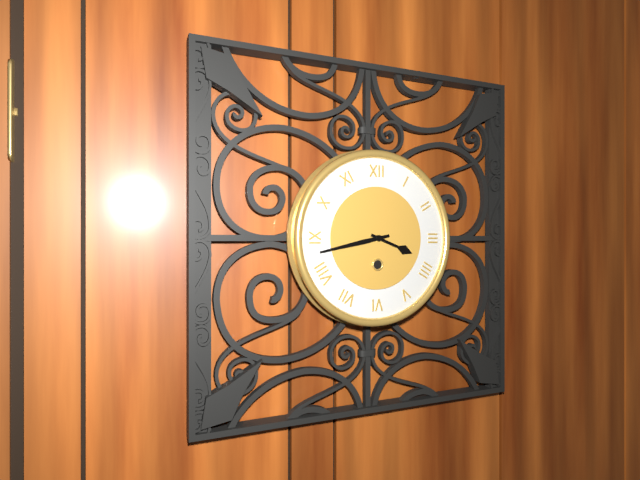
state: 3:43
